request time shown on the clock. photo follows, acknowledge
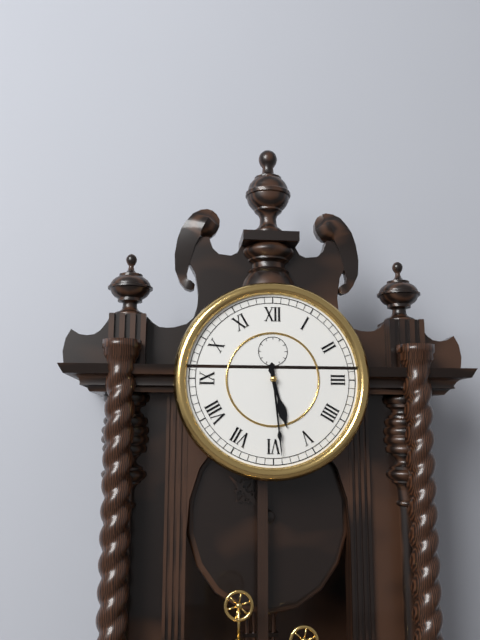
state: 5:29
